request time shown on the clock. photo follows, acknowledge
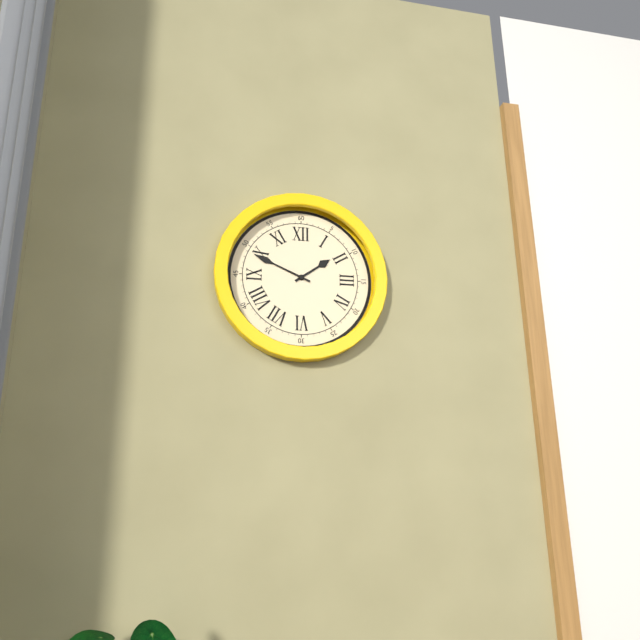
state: 1:49
